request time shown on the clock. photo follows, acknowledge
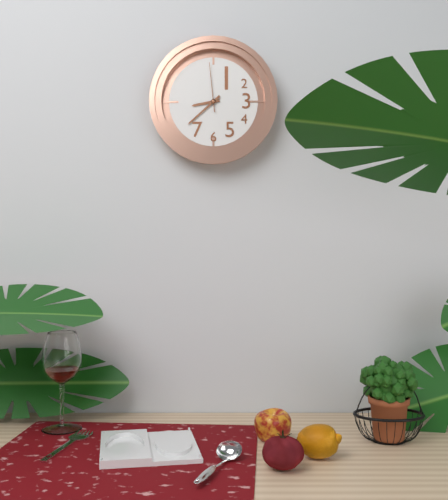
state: 8:38
